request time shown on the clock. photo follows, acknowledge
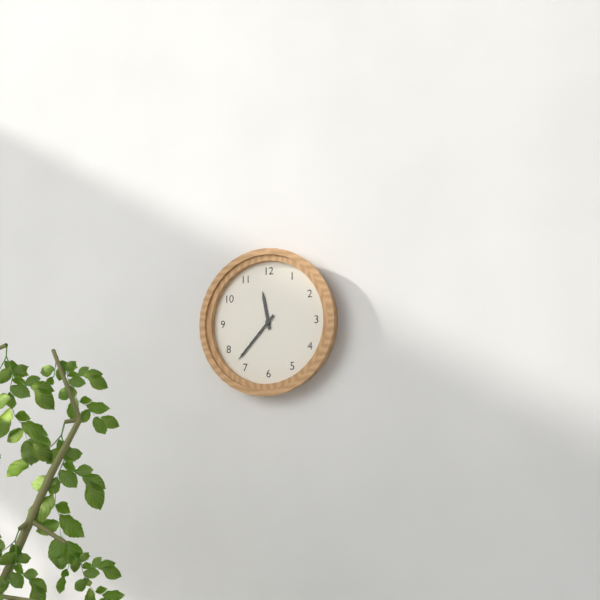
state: 11:37
